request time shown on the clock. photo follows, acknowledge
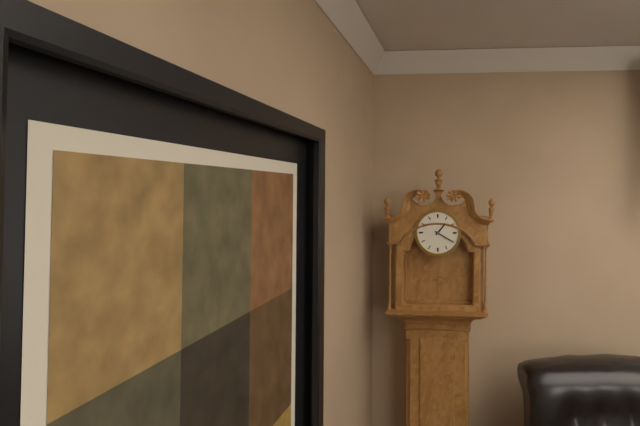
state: 1:20
